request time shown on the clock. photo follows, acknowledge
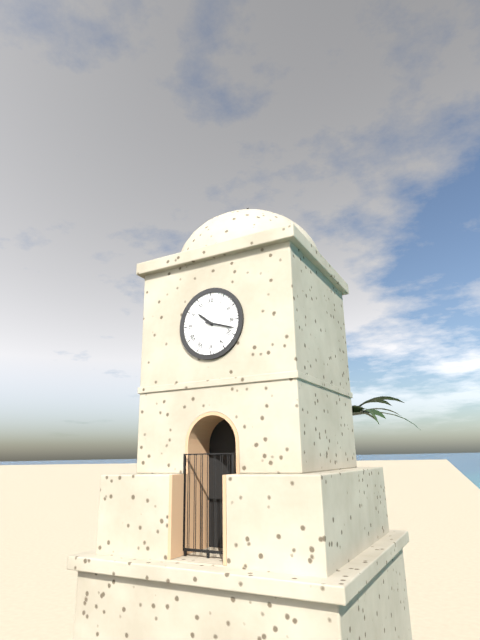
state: 10:18
